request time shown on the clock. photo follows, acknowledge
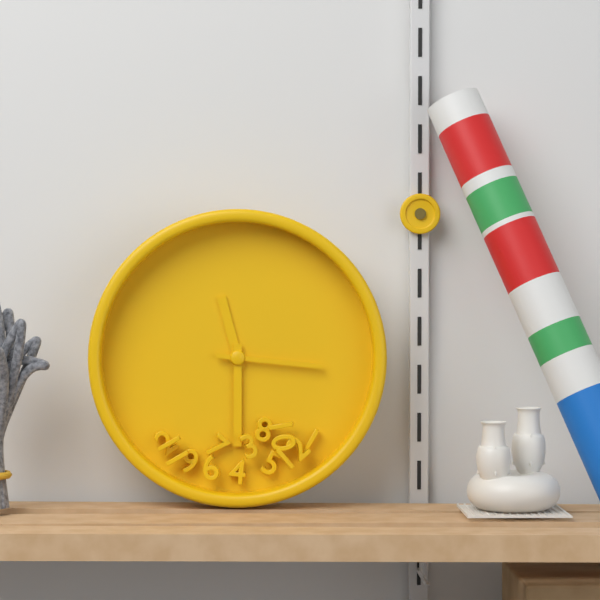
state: 11:30:16
